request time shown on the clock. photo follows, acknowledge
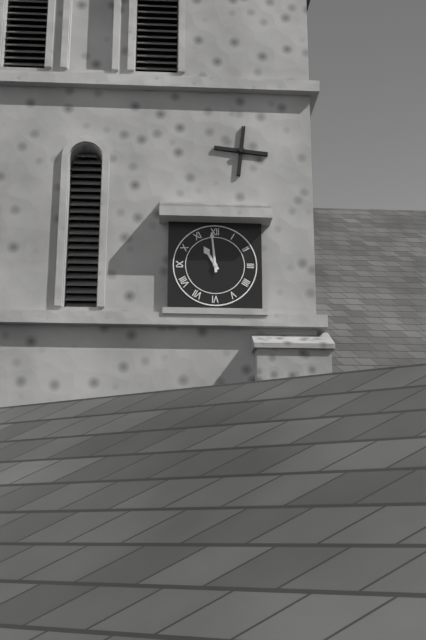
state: 10:59
